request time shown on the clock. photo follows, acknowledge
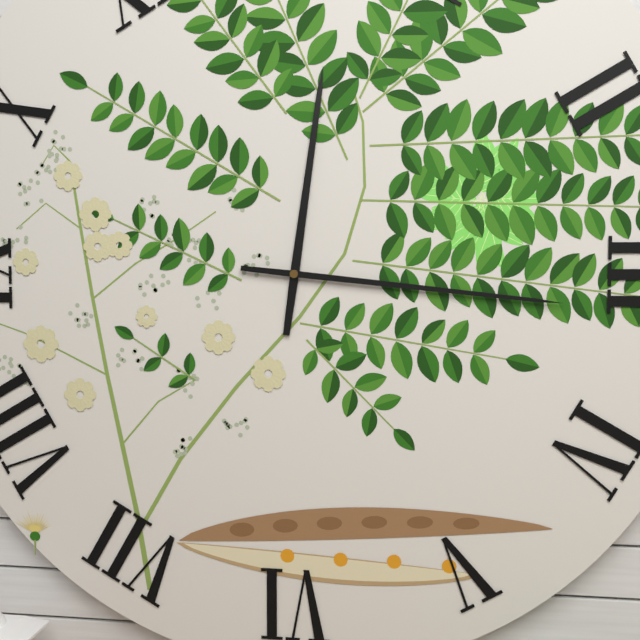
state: 12:16
